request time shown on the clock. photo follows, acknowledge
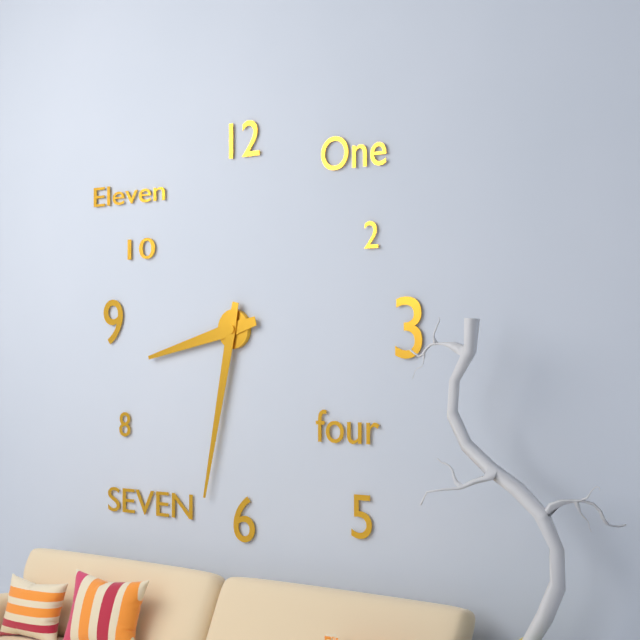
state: 8:32
